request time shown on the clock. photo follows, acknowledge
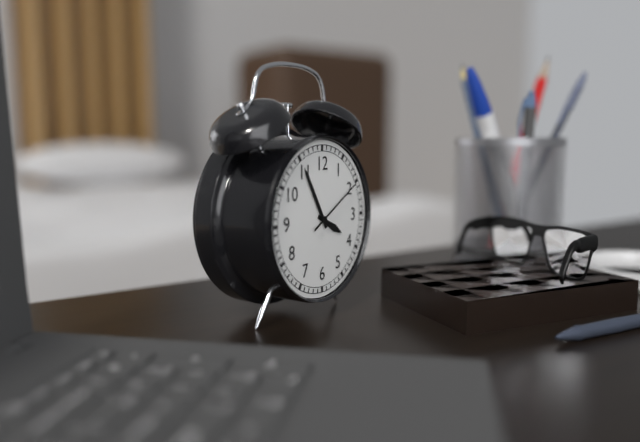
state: 3:55:10
